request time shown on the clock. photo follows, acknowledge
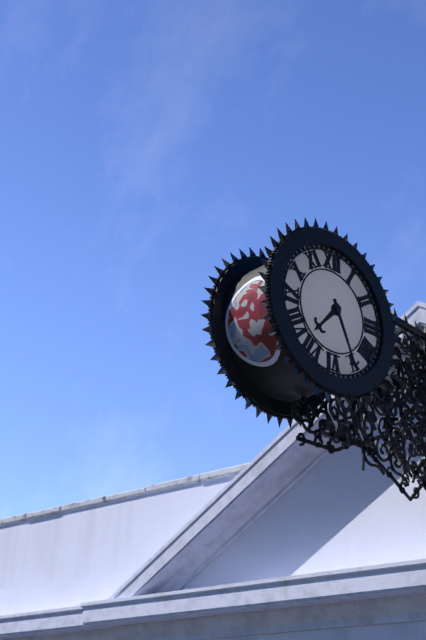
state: 7:26
